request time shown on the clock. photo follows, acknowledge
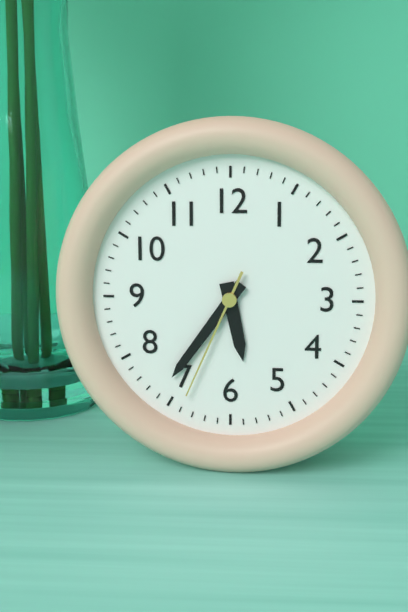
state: 5:36:34
